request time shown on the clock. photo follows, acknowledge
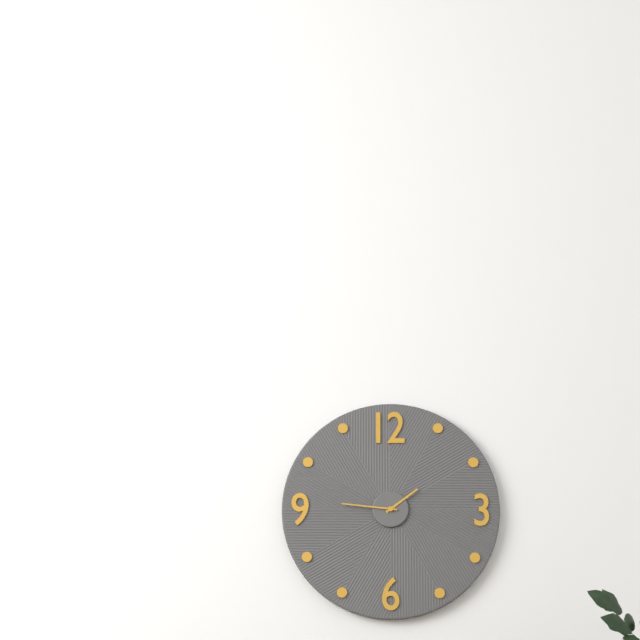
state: 1:46
